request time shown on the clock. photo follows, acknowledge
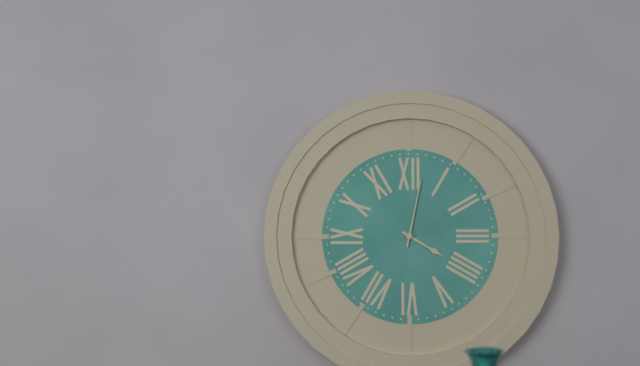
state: 4:02
